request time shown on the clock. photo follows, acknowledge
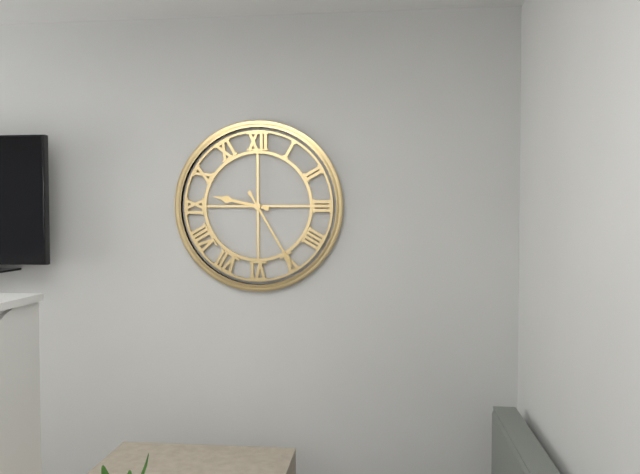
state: 9:25
